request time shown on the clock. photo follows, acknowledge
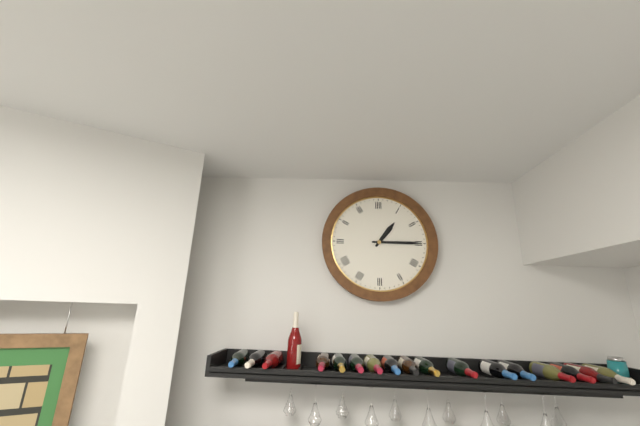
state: 1:15
